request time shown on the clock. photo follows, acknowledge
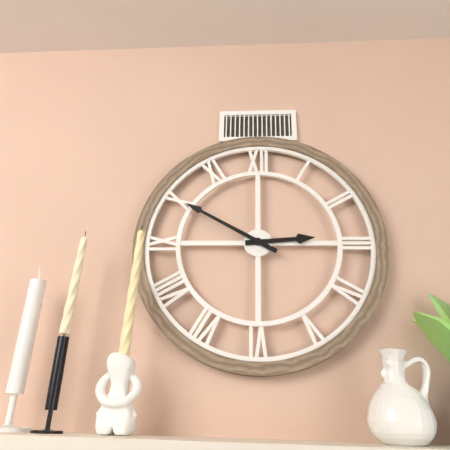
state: 2:50
